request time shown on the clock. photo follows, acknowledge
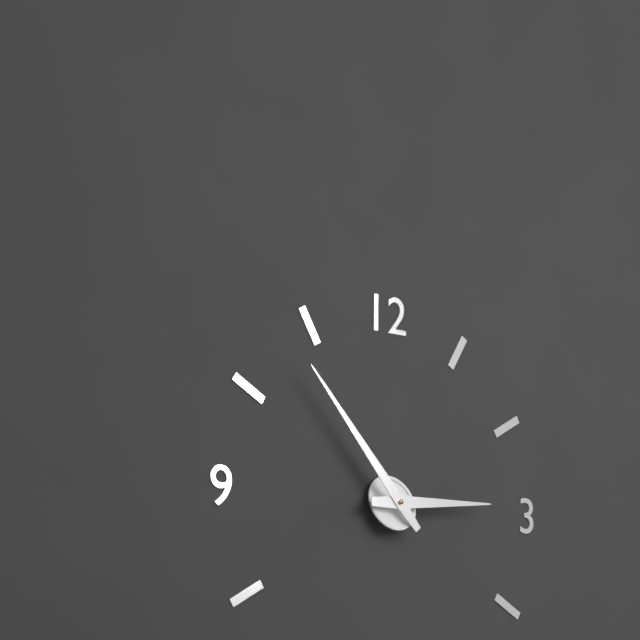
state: 2:53
